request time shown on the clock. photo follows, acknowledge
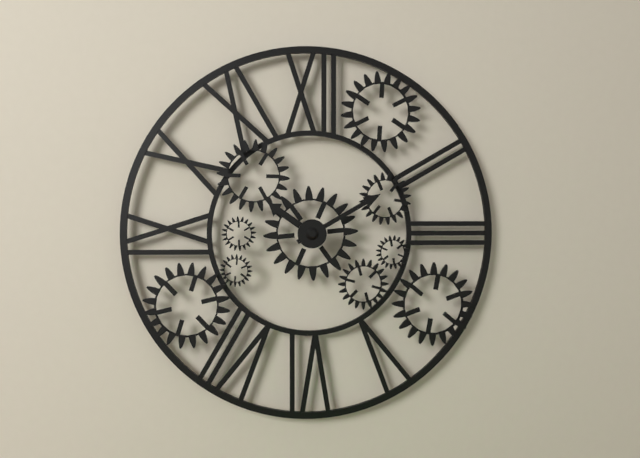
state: 10:10
